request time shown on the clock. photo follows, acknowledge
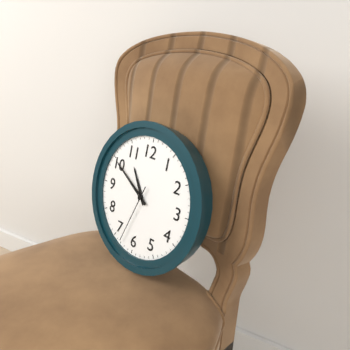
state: 10:50:33
